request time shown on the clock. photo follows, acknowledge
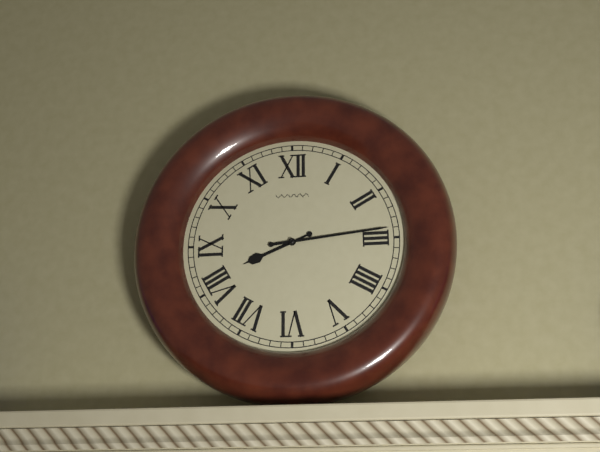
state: 8:14
